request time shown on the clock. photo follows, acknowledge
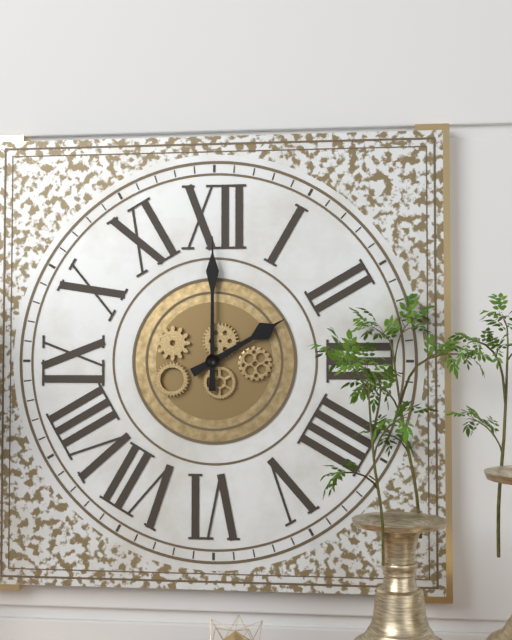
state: 2:00
